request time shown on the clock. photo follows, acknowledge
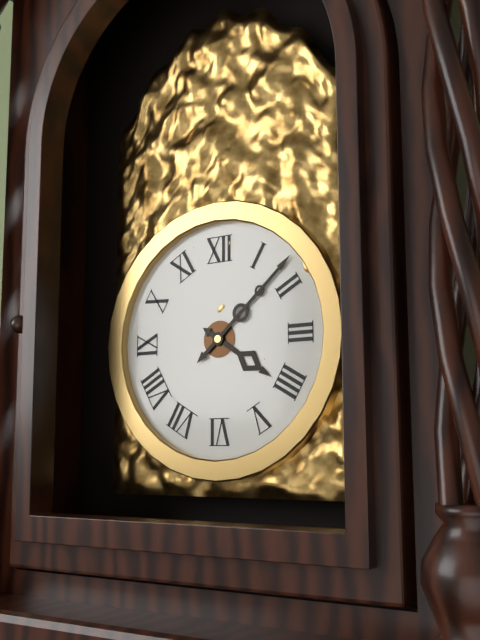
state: 4:08
